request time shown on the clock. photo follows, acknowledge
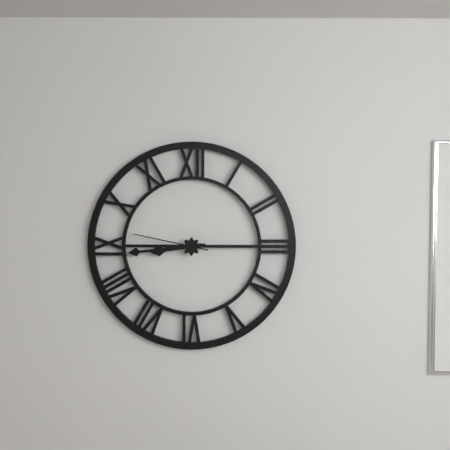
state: 8:44:47
